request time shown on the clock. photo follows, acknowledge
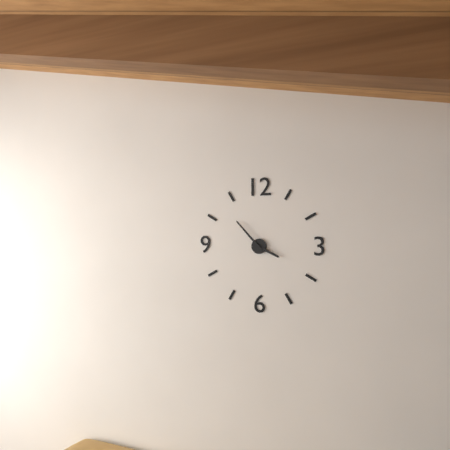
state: 3:53
